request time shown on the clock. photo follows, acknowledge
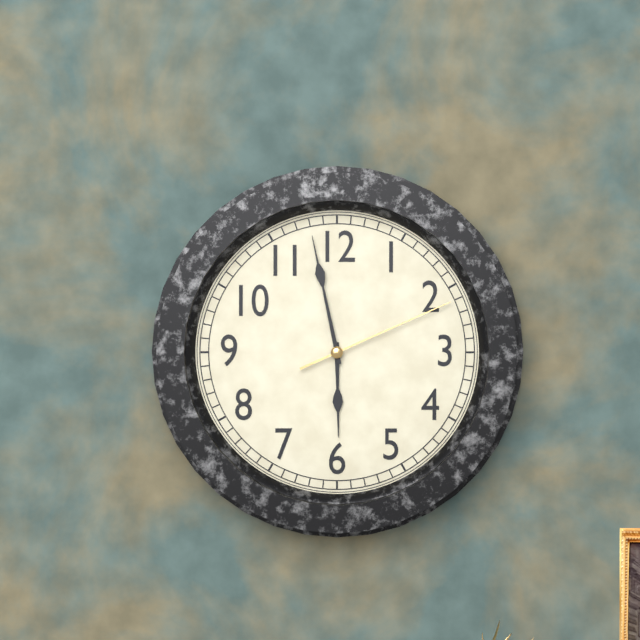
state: 5:58:11
